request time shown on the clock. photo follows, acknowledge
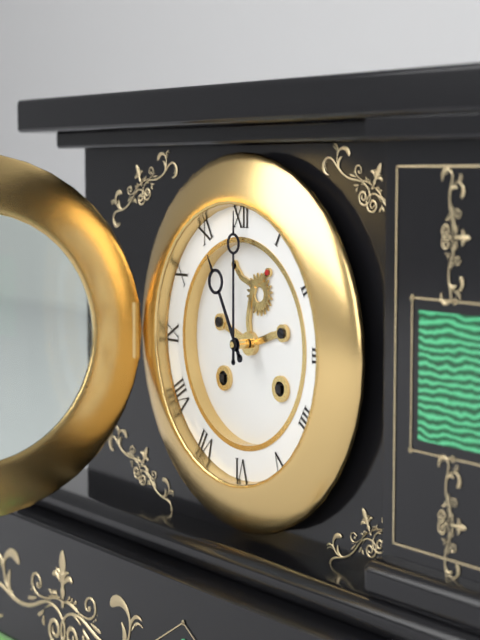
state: 11:00
